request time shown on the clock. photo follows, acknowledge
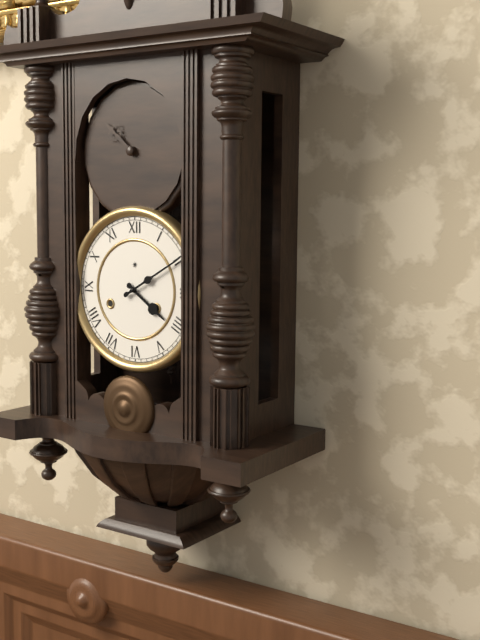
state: 4:10
